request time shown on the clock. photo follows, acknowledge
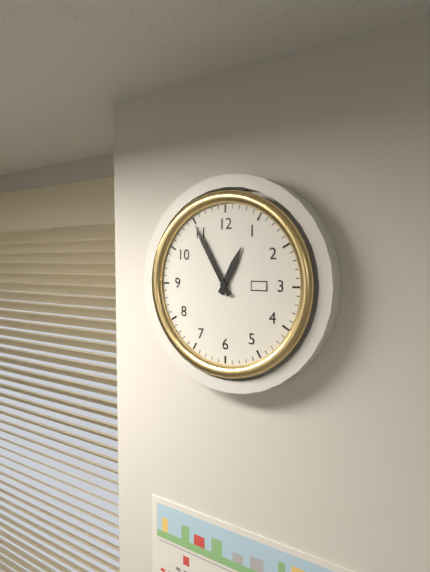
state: 12:55
